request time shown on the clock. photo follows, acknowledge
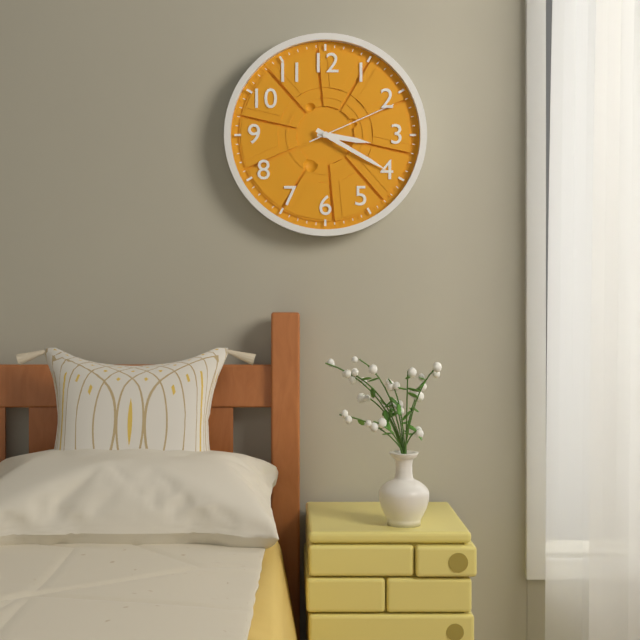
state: 3:20:11
